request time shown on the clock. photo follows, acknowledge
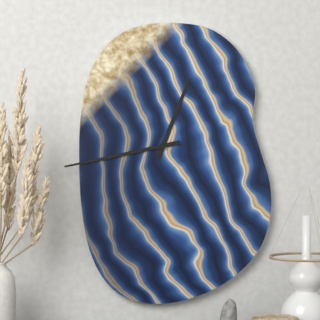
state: 12:43
